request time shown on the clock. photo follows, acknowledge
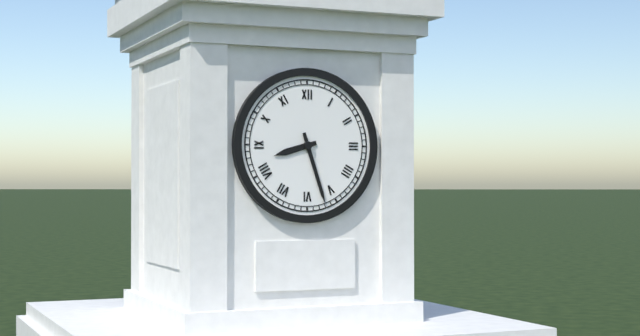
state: 8:27
